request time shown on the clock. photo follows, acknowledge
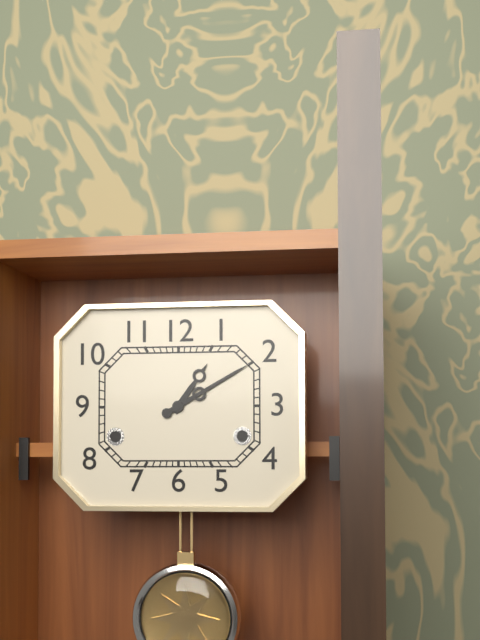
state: 1:10
